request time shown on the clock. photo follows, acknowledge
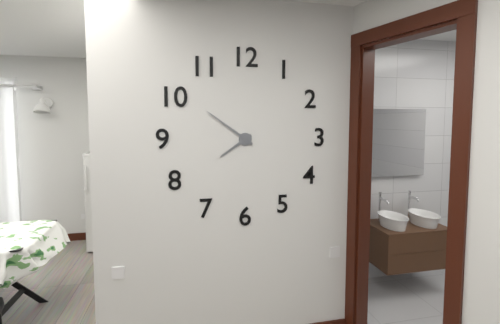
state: 7:51
